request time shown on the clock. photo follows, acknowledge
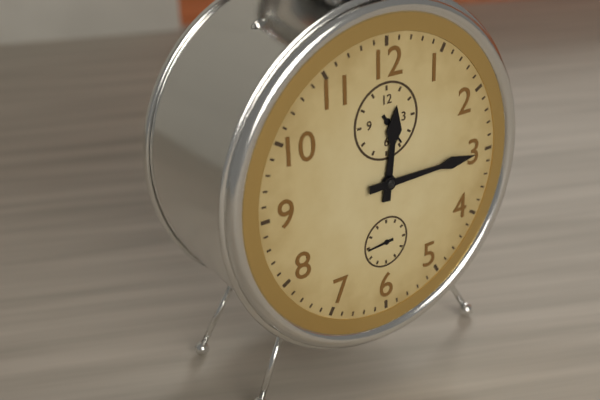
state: 12:15
